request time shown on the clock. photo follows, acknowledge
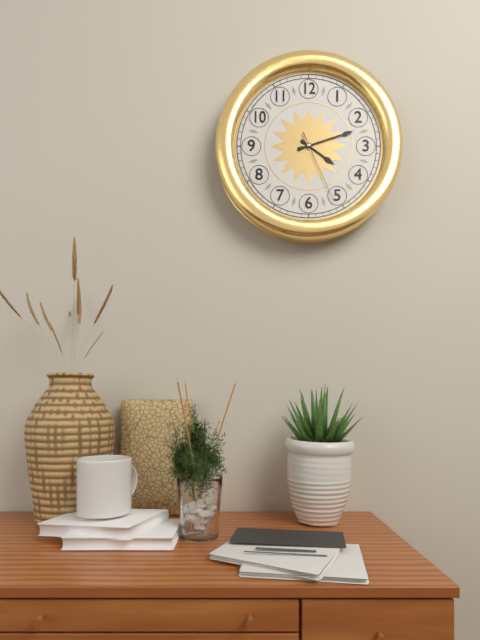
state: 4:12:26
